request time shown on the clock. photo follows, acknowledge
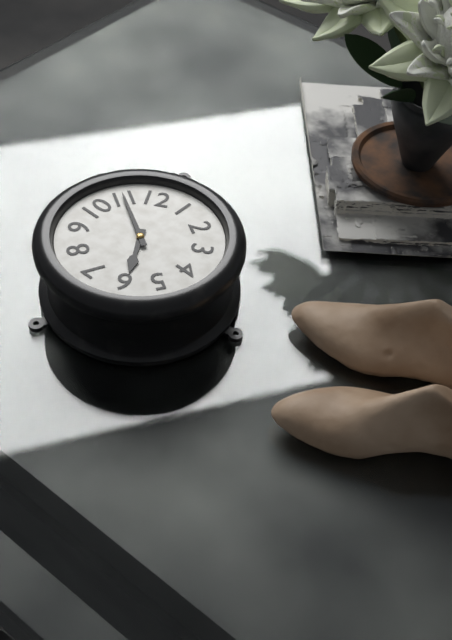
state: 5:55
